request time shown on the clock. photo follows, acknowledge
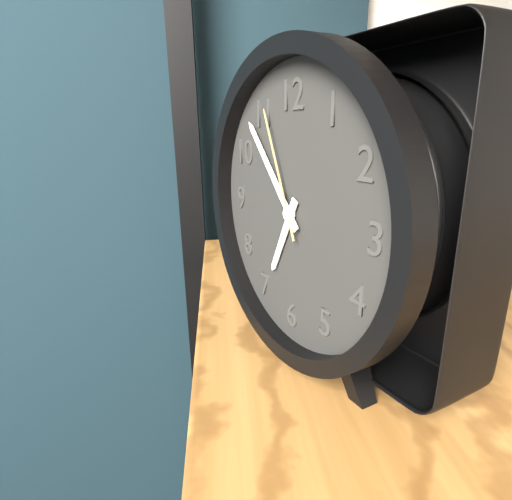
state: 6:53:56
